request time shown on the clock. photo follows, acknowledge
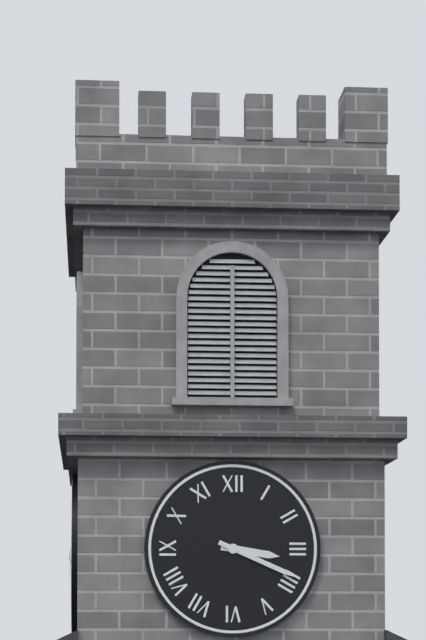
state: 3:19
